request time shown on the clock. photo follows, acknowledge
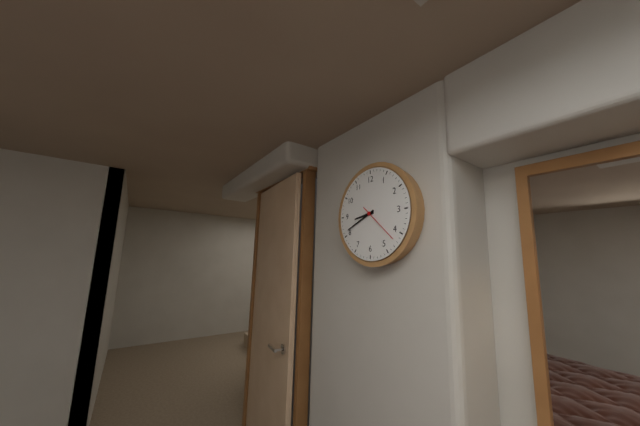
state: 8:41
